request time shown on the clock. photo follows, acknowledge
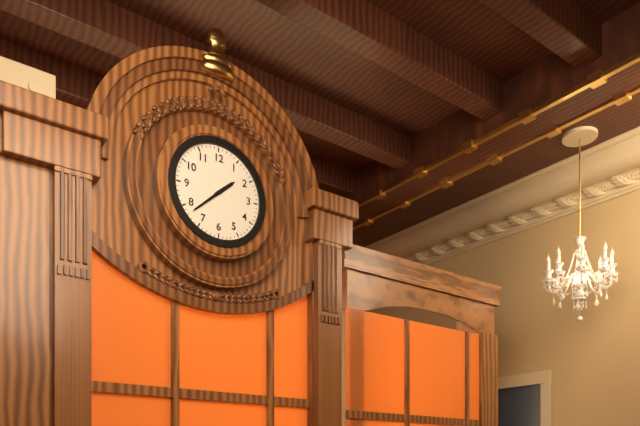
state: 1:38
